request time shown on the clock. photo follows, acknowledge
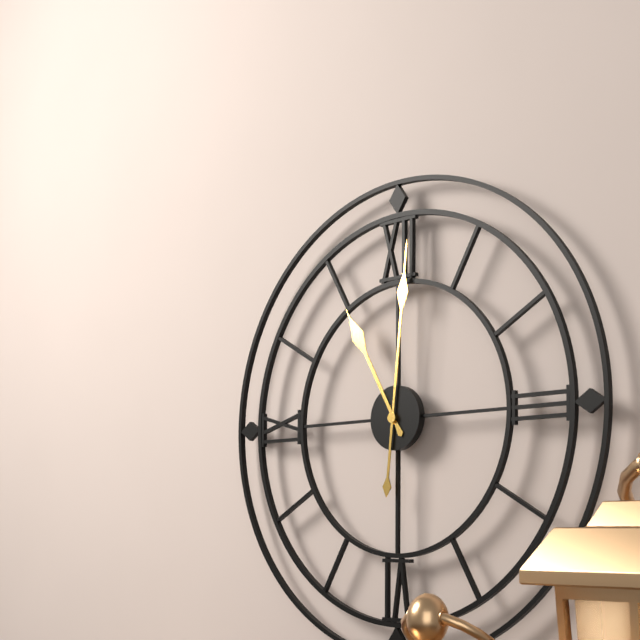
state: 11:01
